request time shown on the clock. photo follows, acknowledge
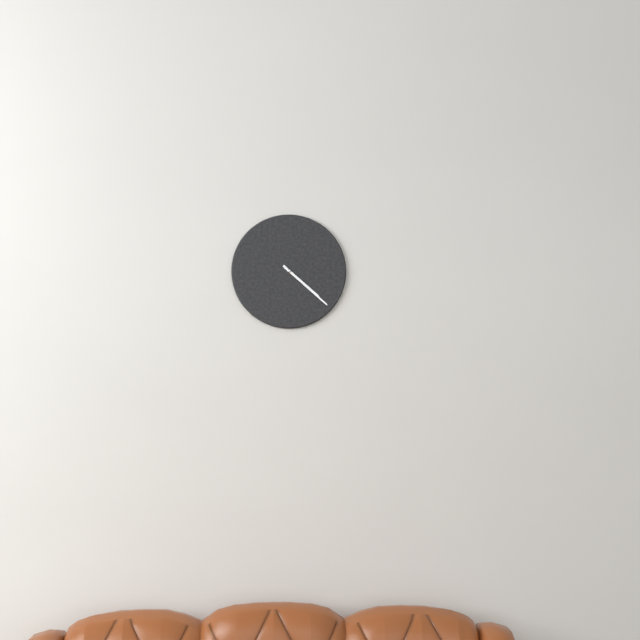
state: 4:22
